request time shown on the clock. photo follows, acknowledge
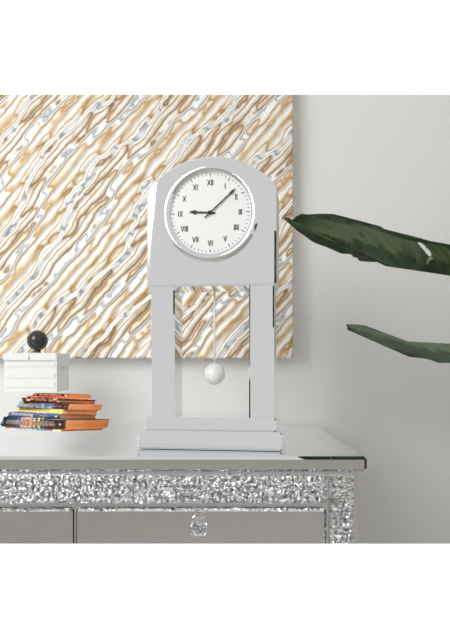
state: 9:08
